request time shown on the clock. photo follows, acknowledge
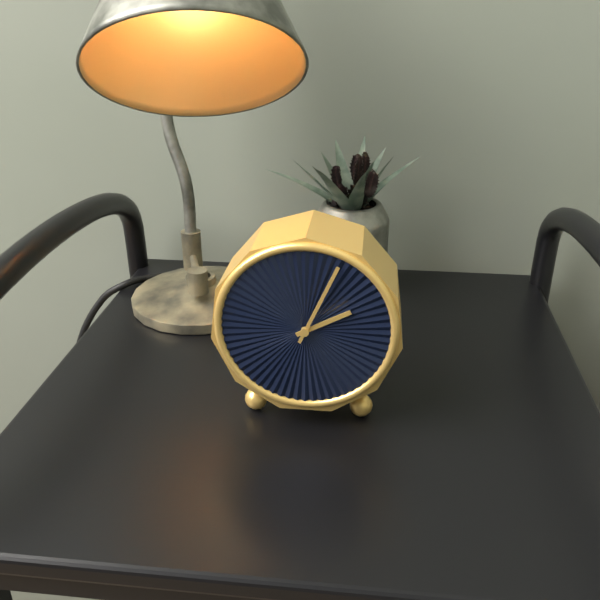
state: 2:04
